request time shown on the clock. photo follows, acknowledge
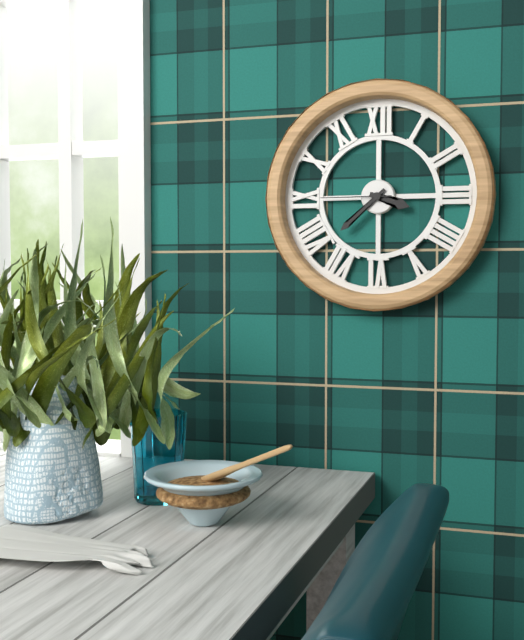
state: 3:38:45
